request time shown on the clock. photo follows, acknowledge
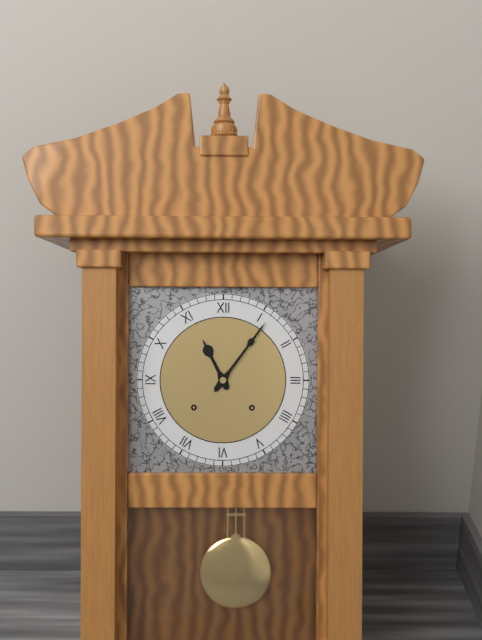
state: 11:06
